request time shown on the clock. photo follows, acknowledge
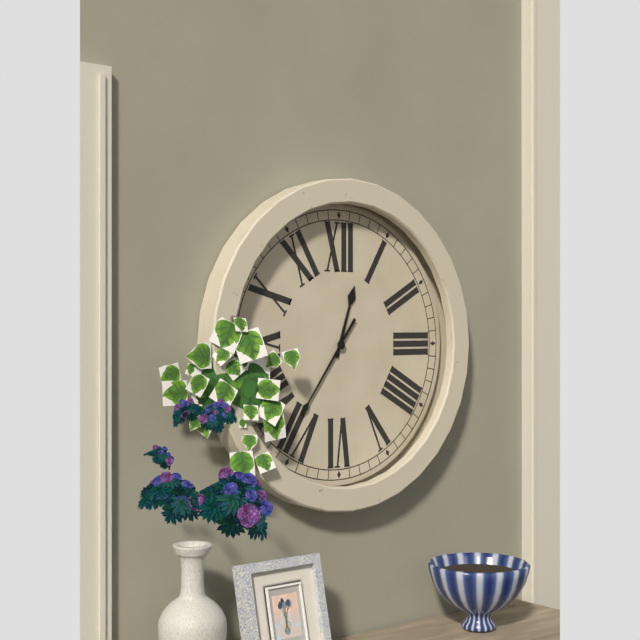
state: 12:36
